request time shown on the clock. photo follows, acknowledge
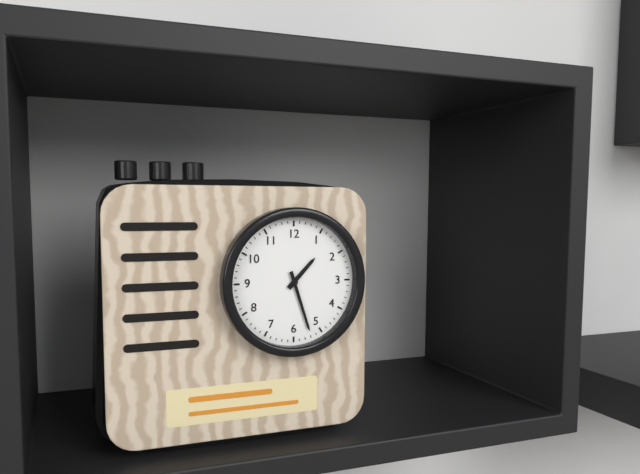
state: 1:27
